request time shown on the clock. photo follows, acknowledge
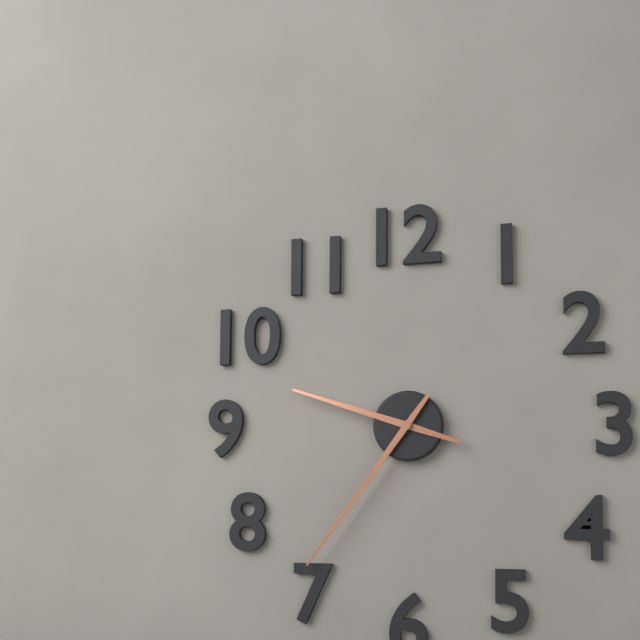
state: 9:36
